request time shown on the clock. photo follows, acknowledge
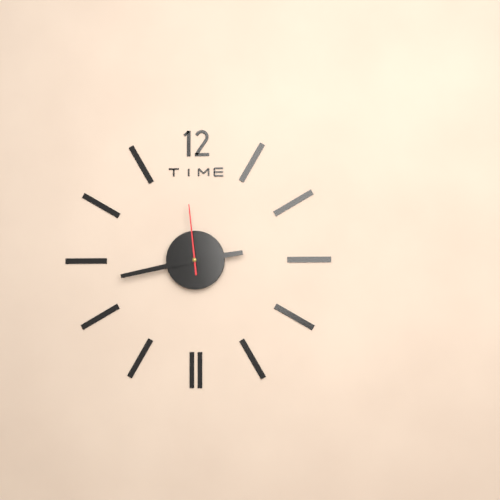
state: 2:43:59
